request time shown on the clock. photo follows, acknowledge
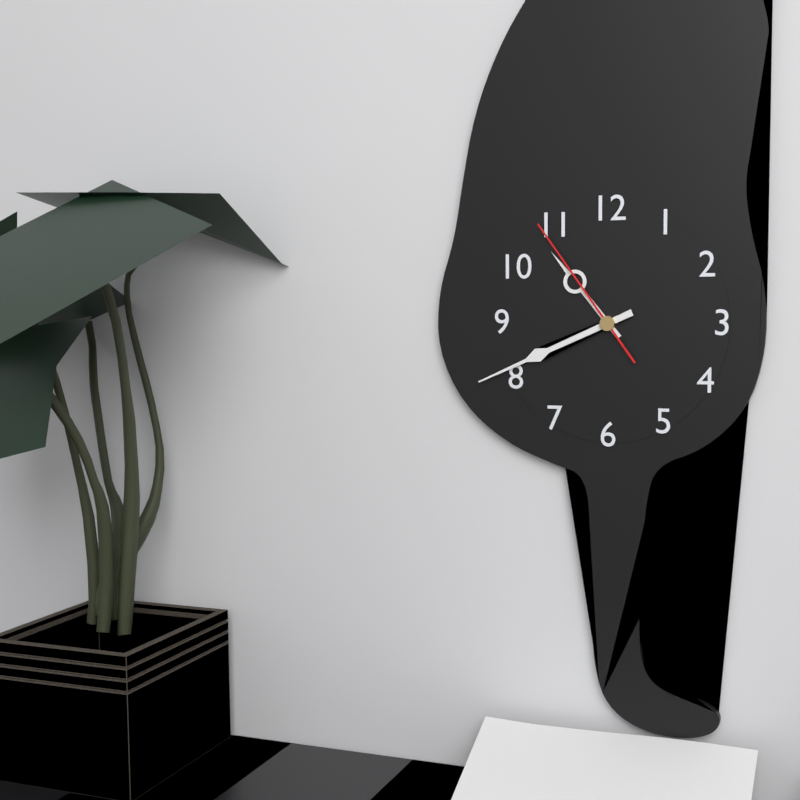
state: 10:41:54
